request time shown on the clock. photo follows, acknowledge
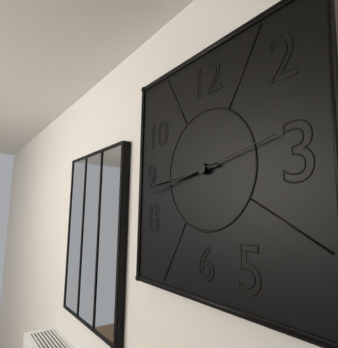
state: 8:44:43
